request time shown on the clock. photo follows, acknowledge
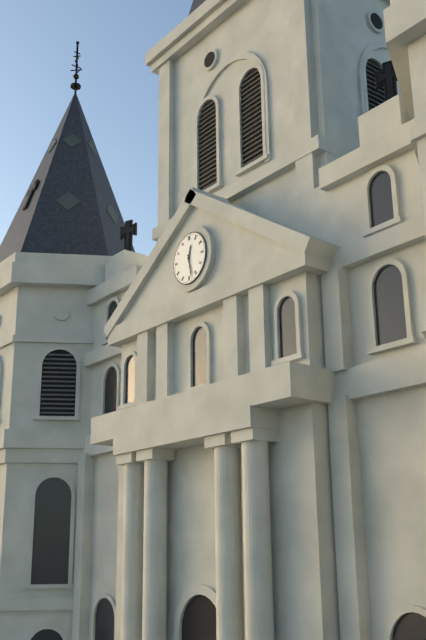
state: 12:28
